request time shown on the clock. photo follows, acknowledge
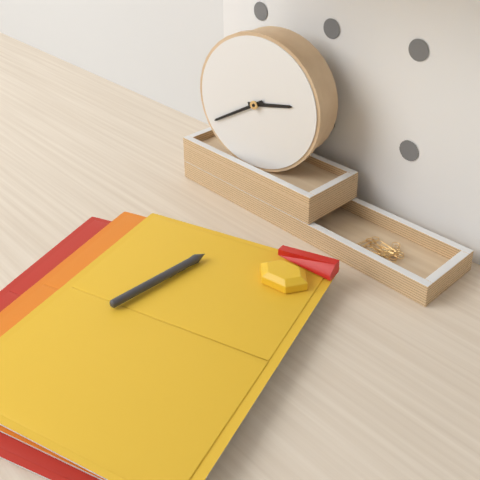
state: 2:40
